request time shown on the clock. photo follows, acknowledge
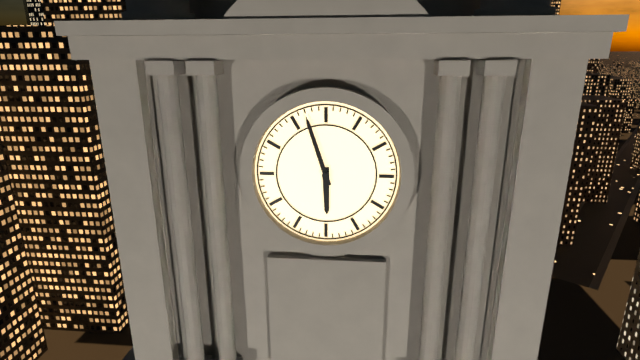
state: 5:57
